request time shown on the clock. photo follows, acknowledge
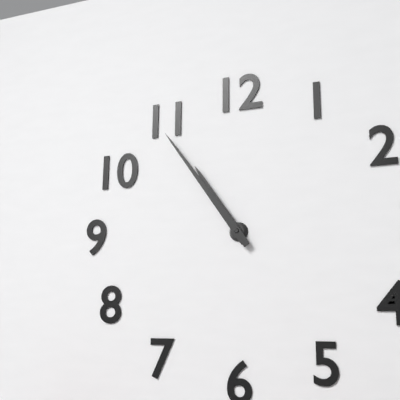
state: 10:54
